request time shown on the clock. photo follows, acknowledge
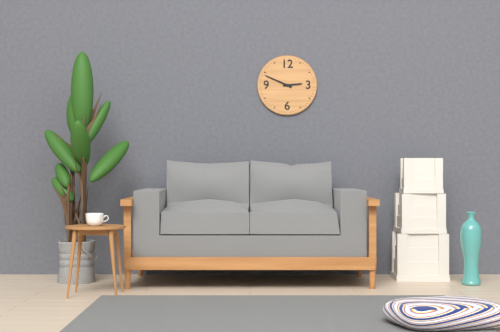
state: 2:49
